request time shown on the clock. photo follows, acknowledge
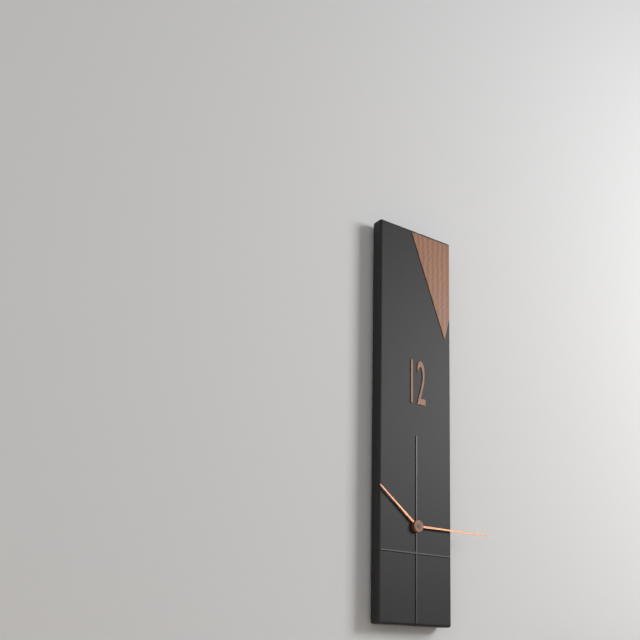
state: 10:15
